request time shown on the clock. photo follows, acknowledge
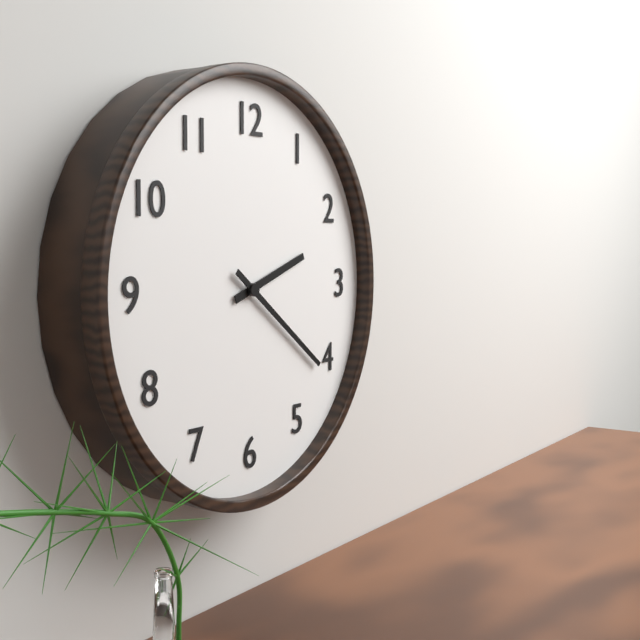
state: 2:21
